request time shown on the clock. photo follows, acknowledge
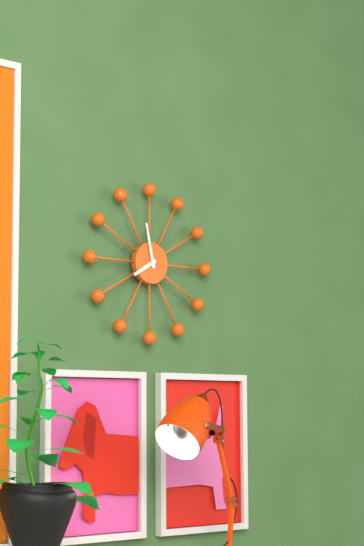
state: 7:58
